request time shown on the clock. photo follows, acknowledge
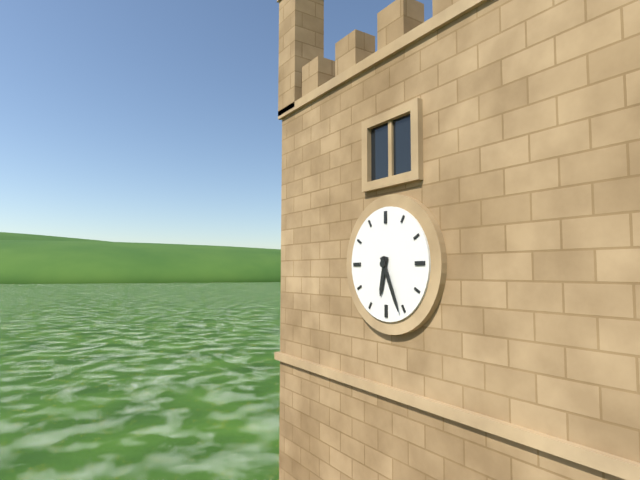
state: 6:26
